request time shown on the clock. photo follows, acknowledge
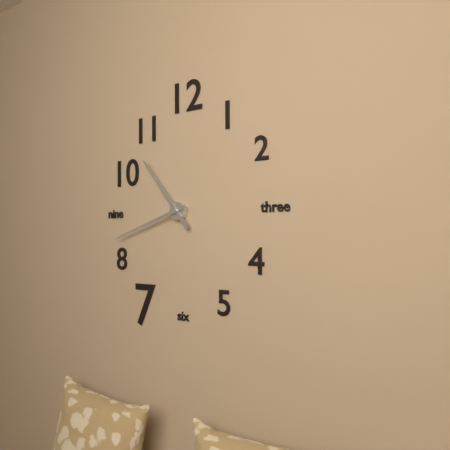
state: 10:42
